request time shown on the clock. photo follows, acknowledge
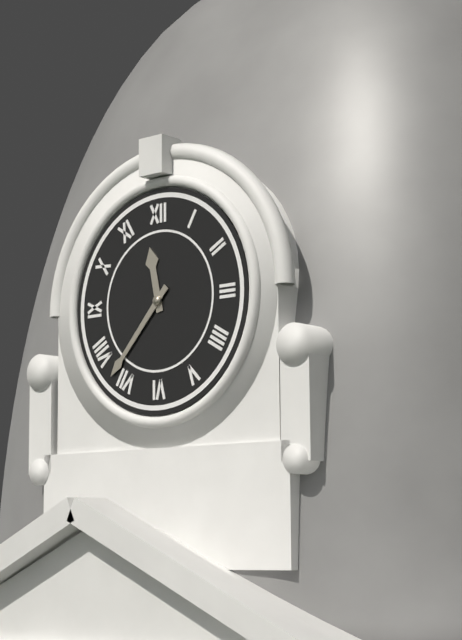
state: 11:37
